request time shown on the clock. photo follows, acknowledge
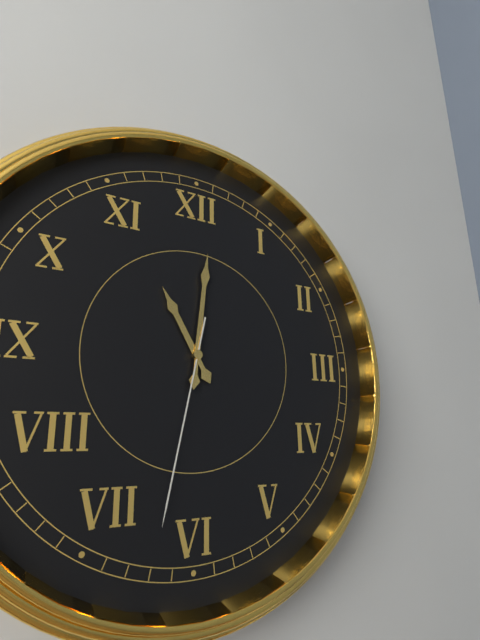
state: 11:01:32
